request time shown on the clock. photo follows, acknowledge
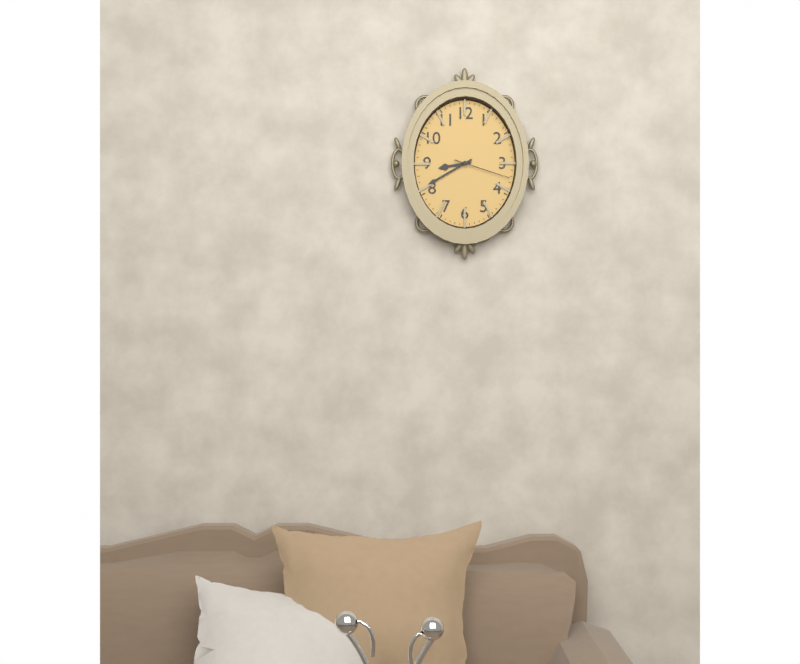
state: 8:40:18
